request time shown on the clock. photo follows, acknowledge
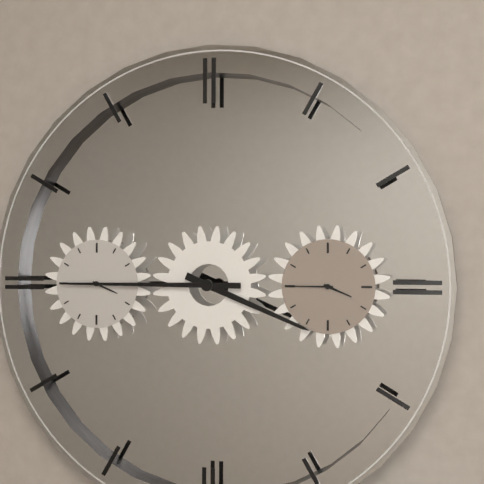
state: 3:45
